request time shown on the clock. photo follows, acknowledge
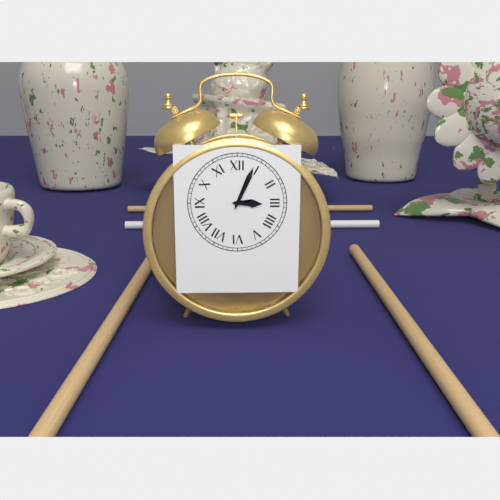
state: 3:04
